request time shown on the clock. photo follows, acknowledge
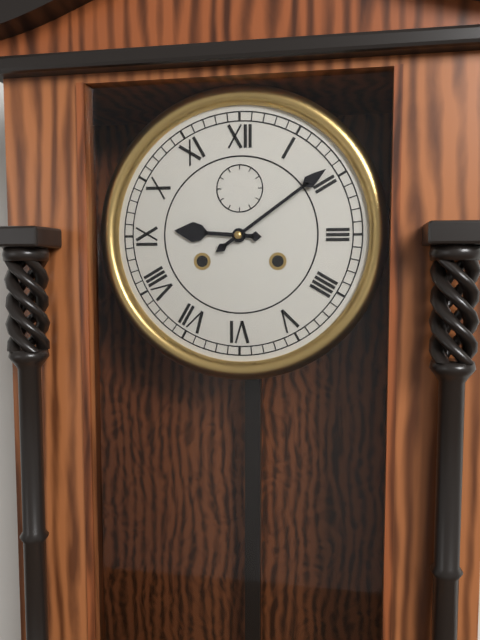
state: 9:09
